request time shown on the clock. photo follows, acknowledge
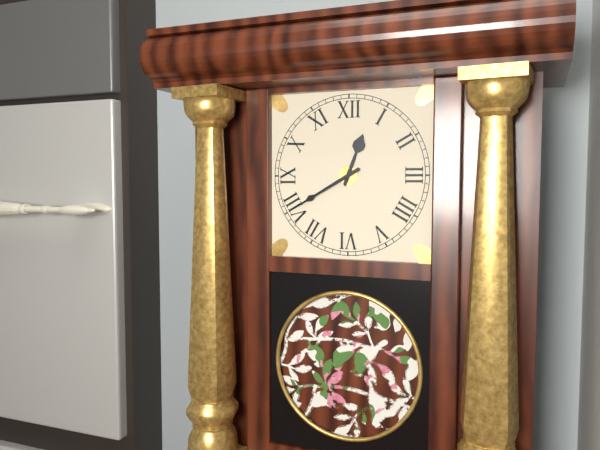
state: 12:40
